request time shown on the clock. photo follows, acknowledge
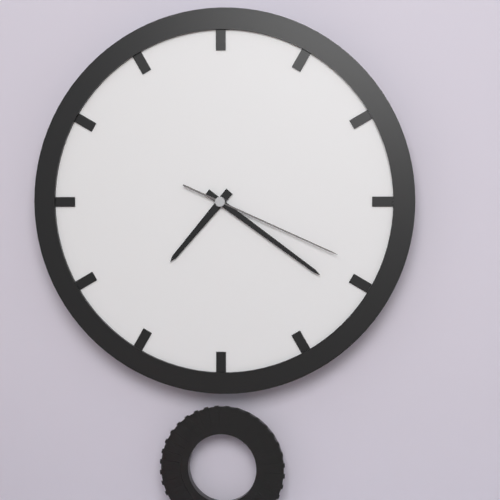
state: 7:21:19
